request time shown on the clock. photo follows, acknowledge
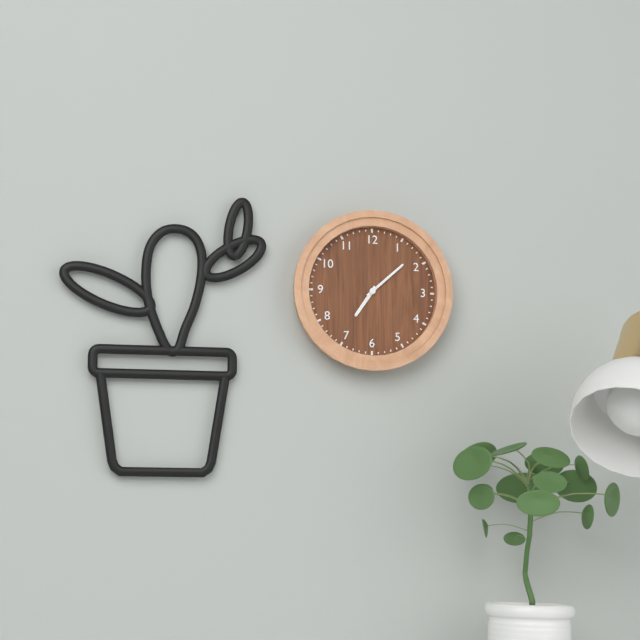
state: 7:08
